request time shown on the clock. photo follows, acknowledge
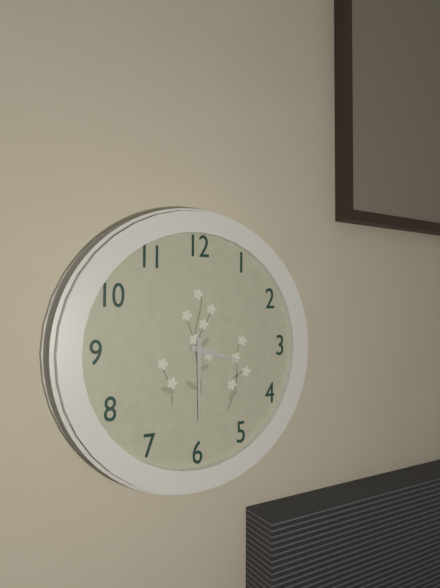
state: 3:30
